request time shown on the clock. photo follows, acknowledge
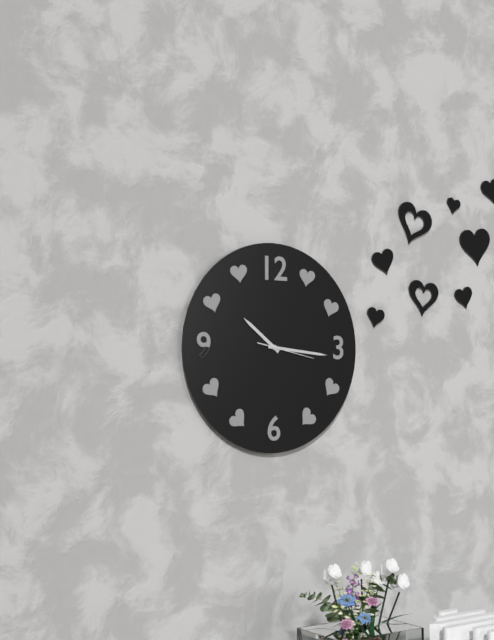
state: 10:16:17
